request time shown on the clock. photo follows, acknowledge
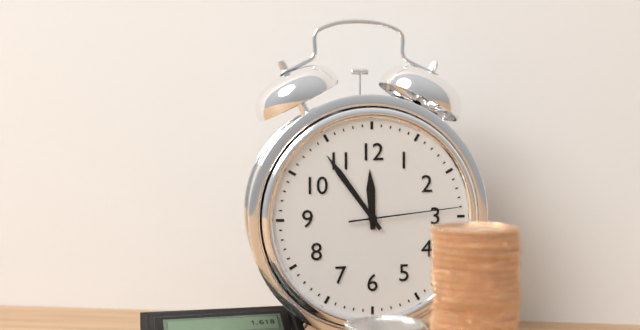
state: 11:54:14
